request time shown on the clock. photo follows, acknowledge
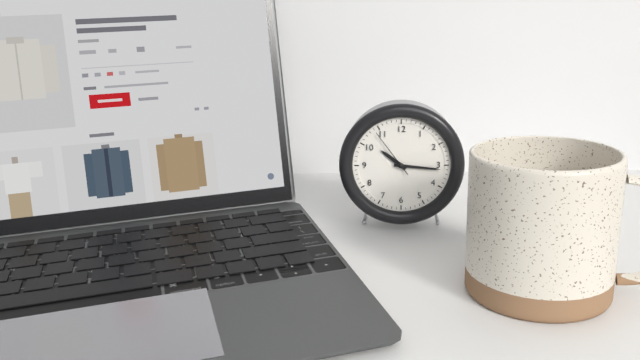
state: 10:16:54
